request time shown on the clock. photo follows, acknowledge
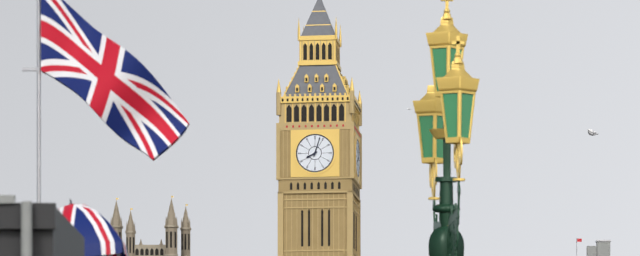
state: 8:03
